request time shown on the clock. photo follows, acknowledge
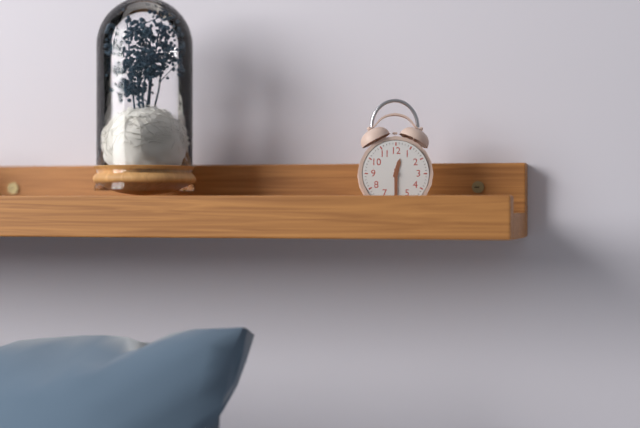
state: 12:30
